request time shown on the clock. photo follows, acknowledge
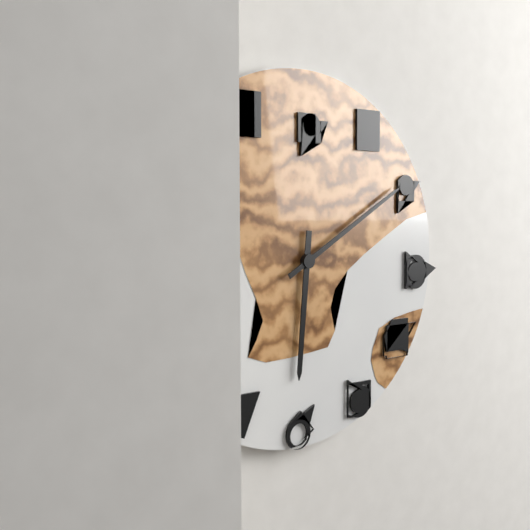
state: 6:10
